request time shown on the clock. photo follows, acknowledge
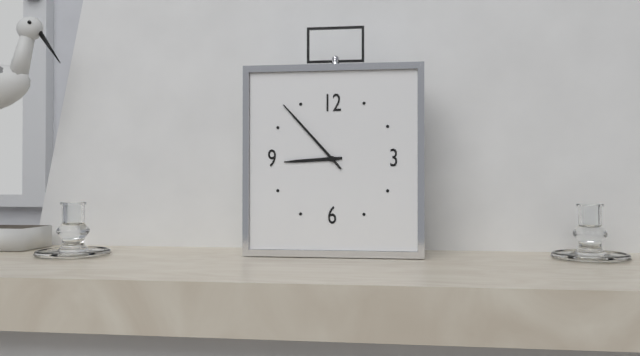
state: 8:53
